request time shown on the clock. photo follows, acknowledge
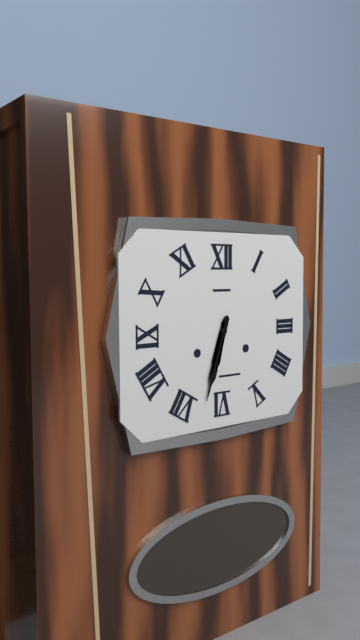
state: 6:33
